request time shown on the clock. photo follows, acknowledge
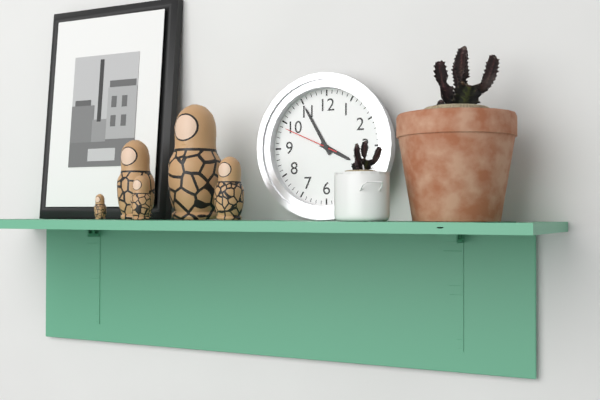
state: 3:55:49
